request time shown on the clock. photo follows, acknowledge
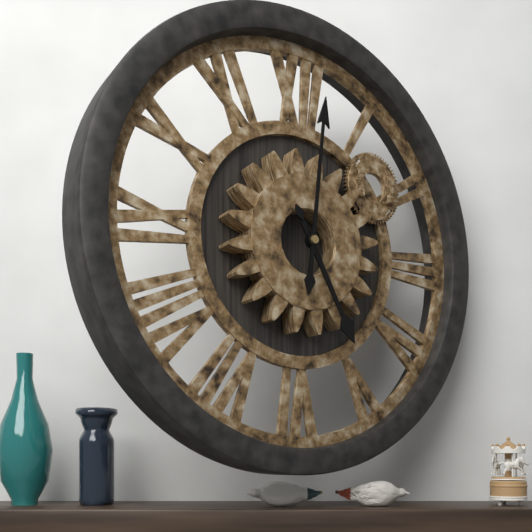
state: 5:01
